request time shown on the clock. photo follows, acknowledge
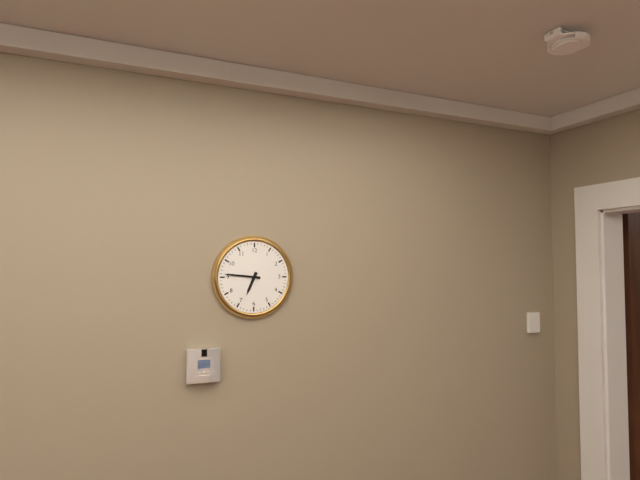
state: 6:46
